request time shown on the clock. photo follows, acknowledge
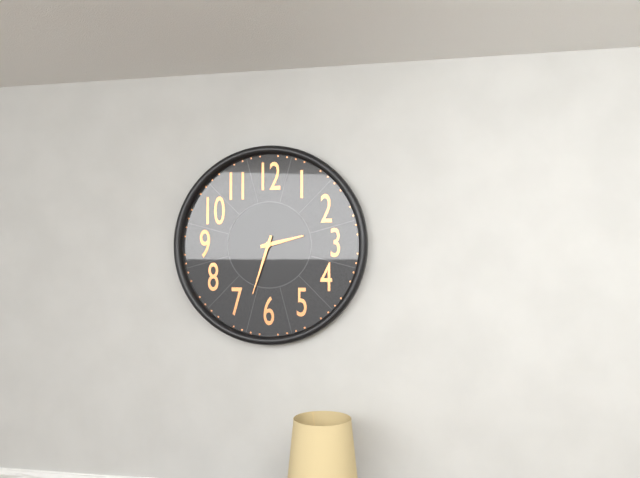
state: 2:33
